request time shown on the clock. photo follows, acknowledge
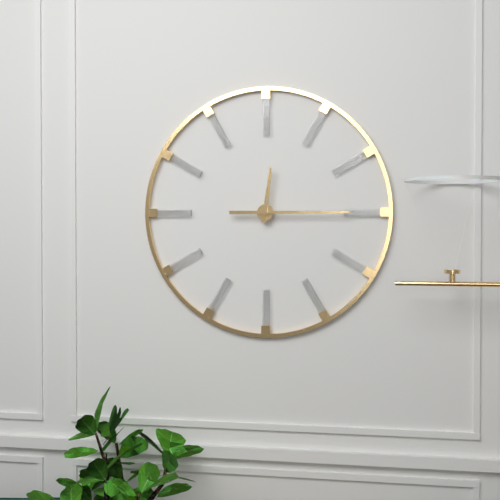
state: 12:15
